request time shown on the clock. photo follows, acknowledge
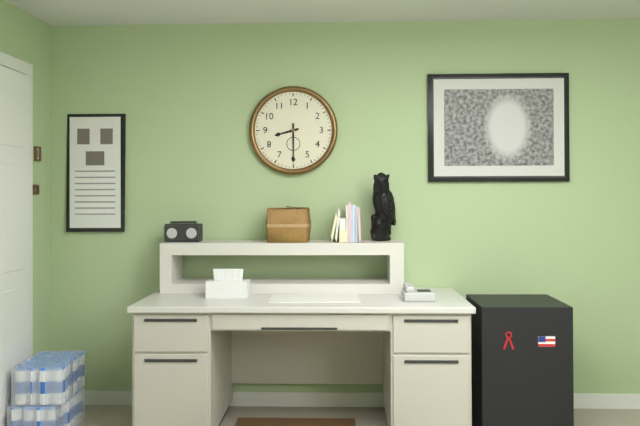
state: 8:30
